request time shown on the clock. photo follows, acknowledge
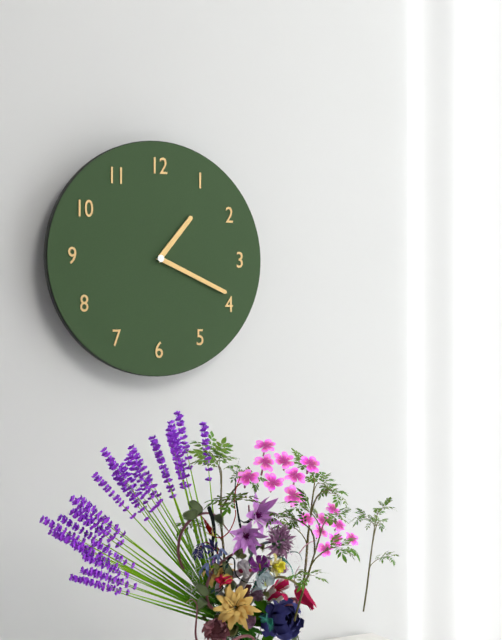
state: 1:19
